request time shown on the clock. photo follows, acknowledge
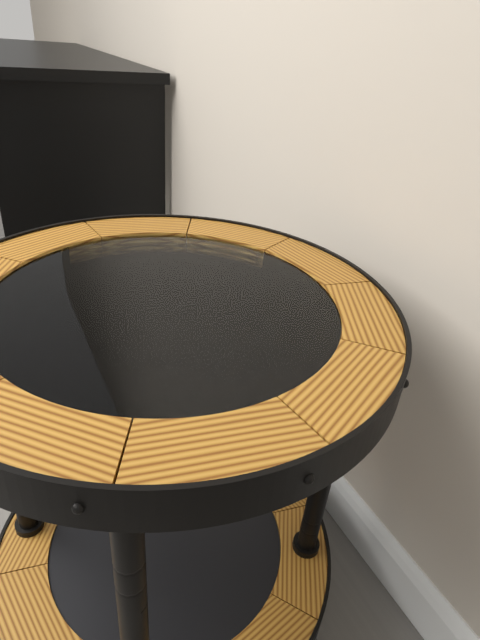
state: 4:23
